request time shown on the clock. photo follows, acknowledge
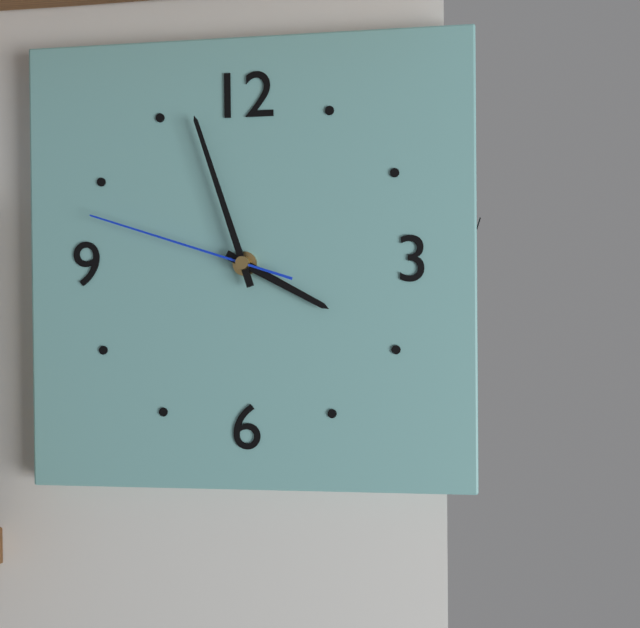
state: 3:57:48
